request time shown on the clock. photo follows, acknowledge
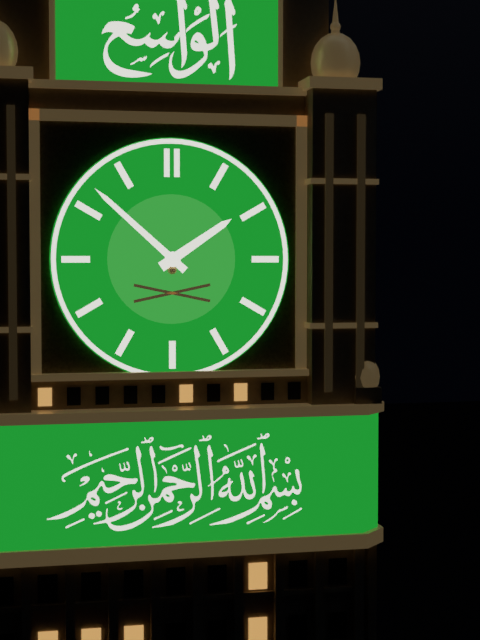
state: 1:52
